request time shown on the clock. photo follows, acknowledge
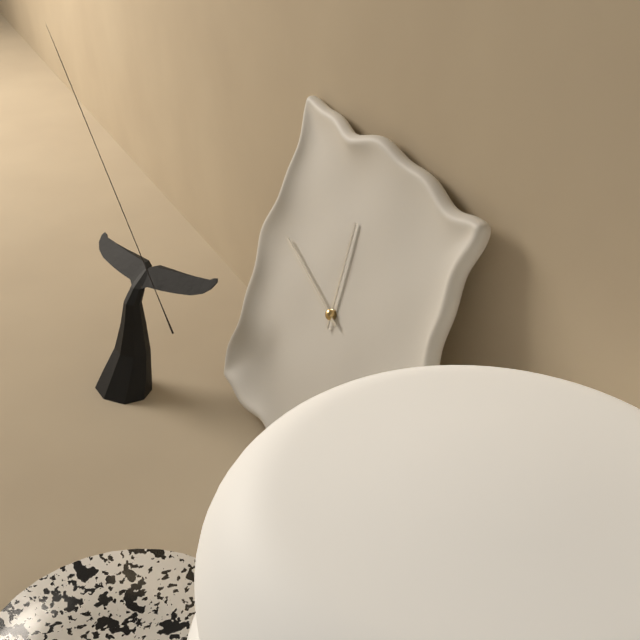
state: 11:47
